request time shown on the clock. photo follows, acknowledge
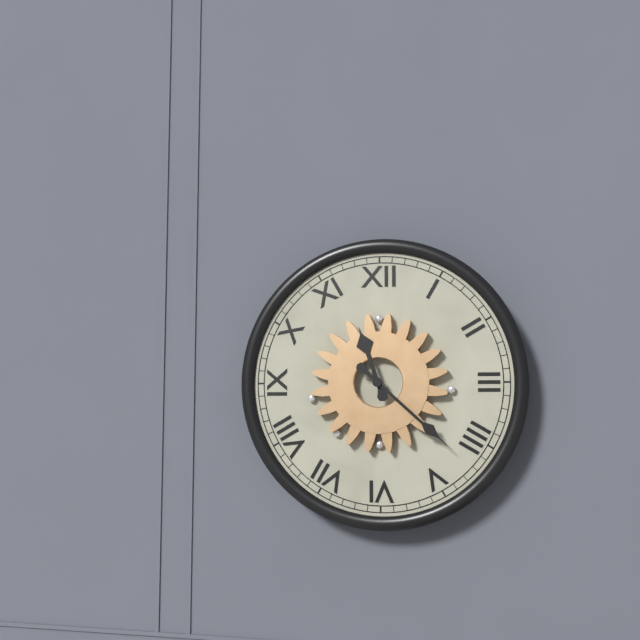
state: 11:22
